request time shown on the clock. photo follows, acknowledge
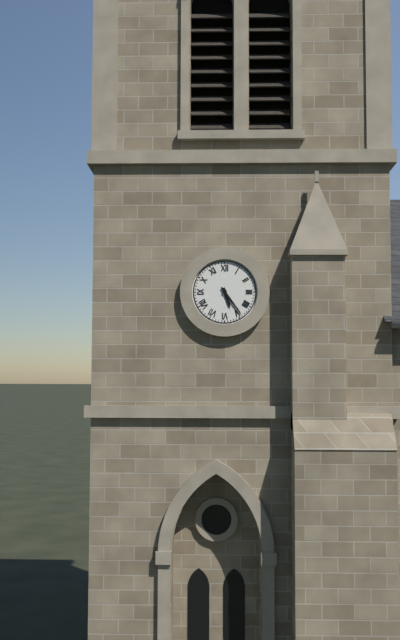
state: 5:24
